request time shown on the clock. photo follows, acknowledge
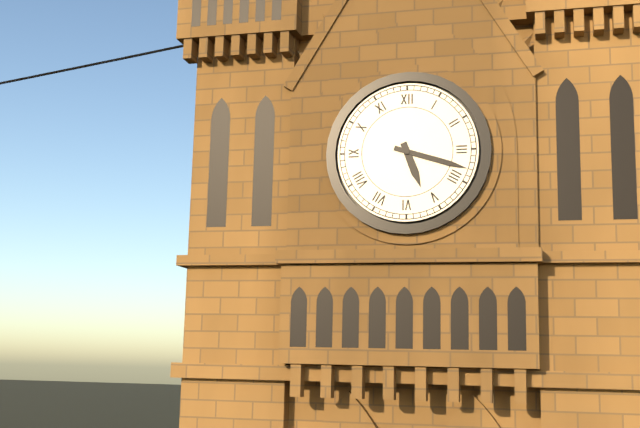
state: 5:18
